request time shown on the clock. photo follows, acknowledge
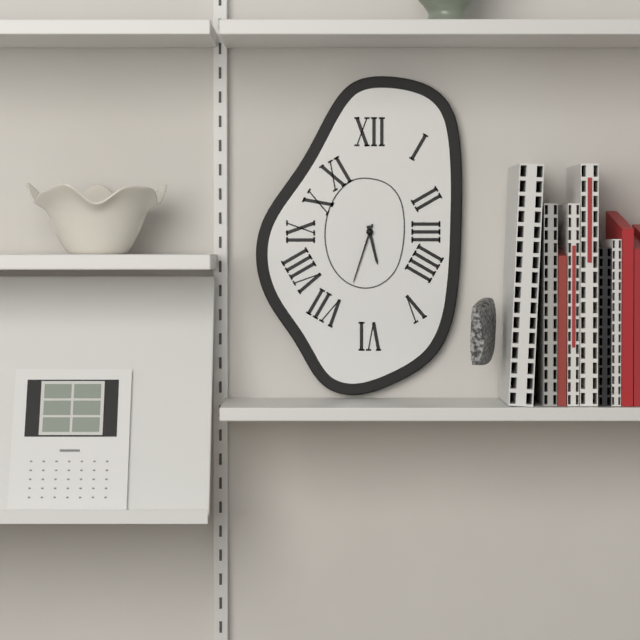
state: 5:33
